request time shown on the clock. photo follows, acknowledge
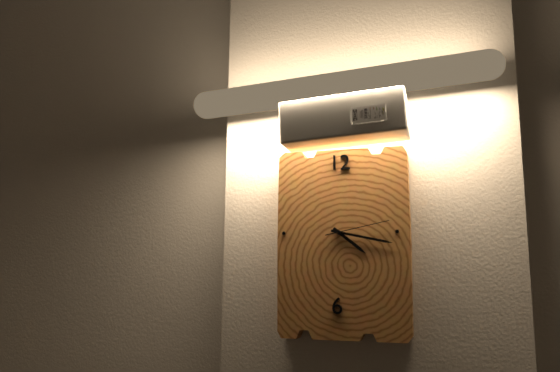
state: 4:17:13
